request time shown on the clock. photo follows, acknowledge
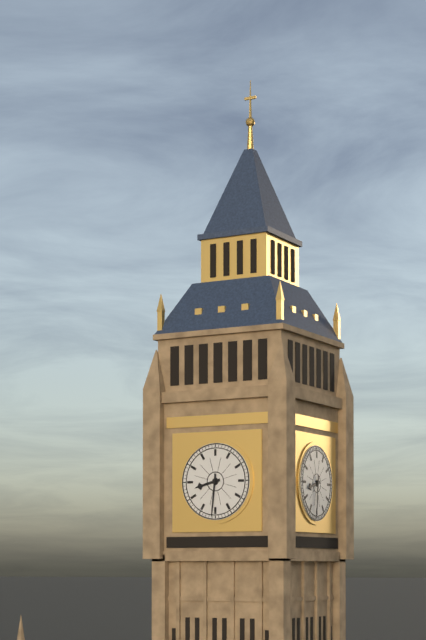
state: 8:31
